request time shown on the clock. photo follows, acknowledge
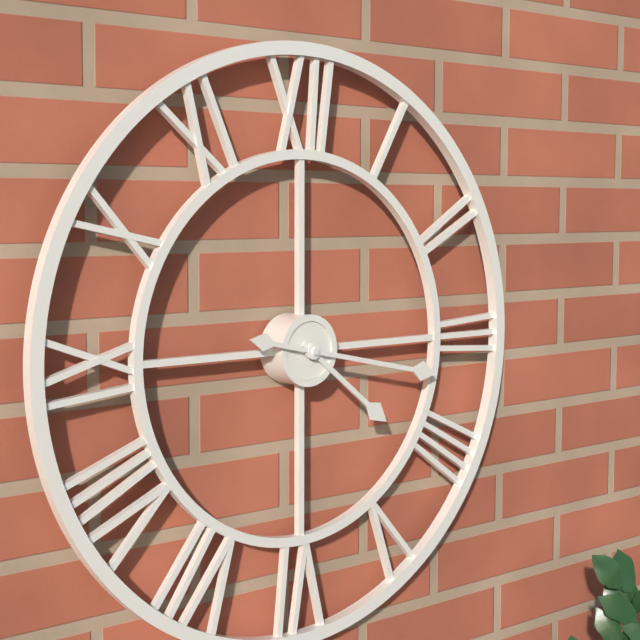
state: 4:17
